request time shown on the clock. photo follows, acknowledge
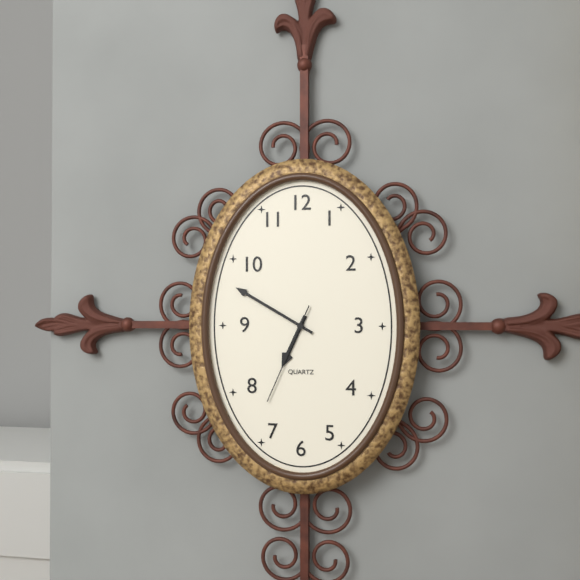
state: 6:50:34
